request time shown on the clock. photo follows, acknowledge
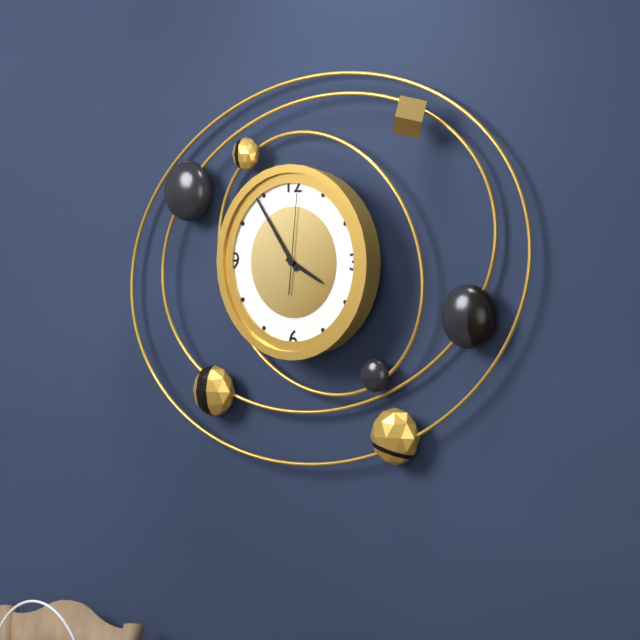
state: 3:54:01
